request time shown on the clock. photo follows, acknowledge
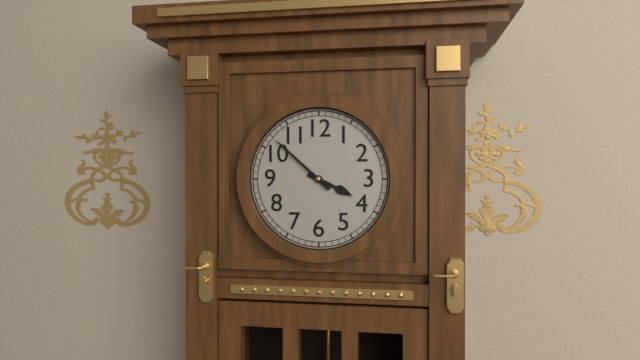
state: 3:52
